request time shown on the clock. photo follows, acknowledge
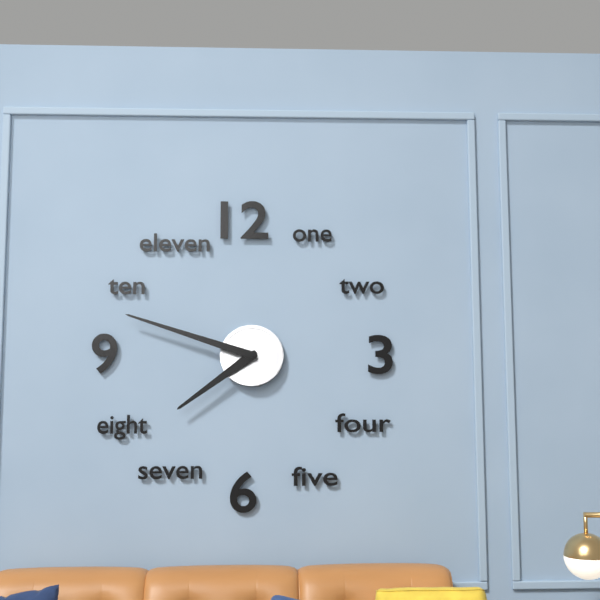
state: 7:48
